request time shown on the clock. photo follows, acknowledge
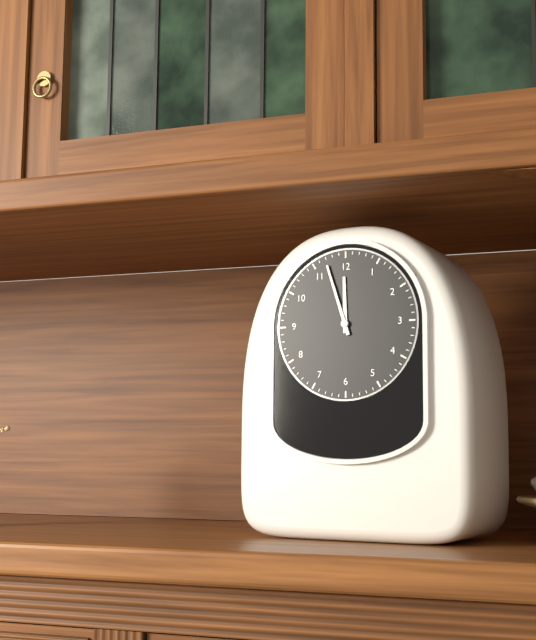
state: 11:57
